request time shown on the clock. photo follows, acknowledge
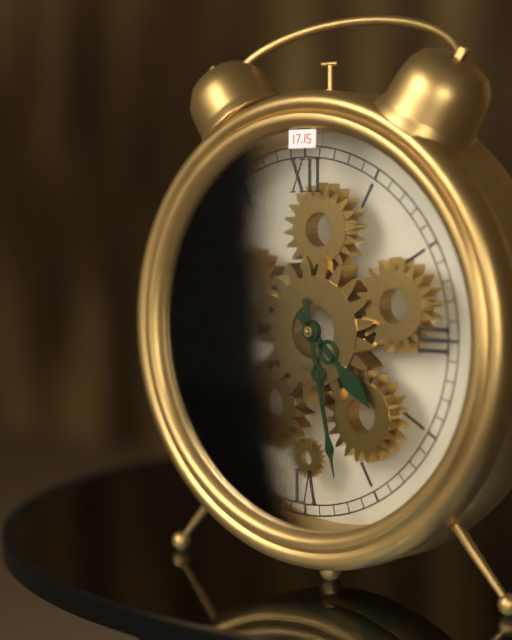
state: 4:28
